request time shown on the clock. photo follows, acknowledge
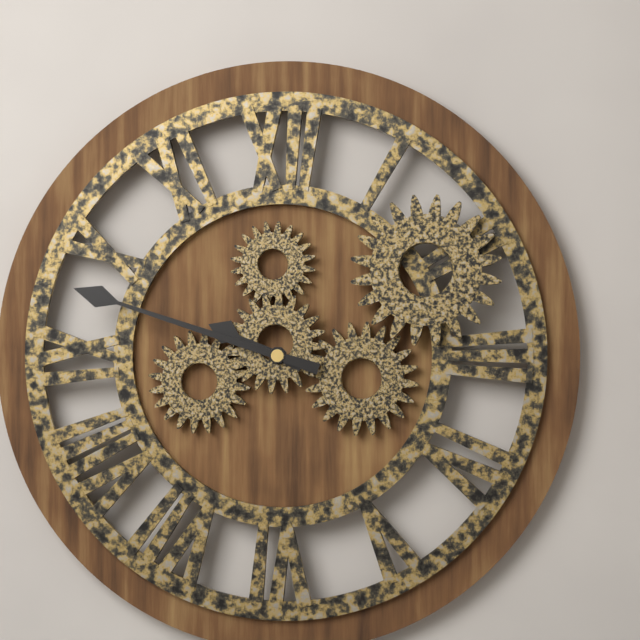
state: 9:48
